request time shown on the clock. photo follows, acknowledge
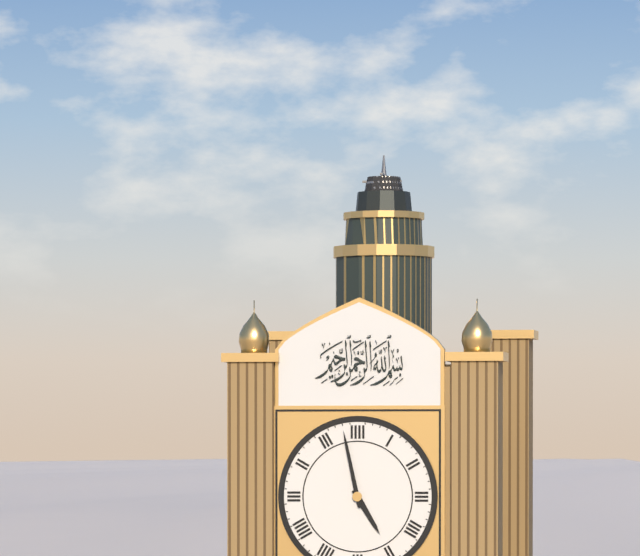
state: 4:58
